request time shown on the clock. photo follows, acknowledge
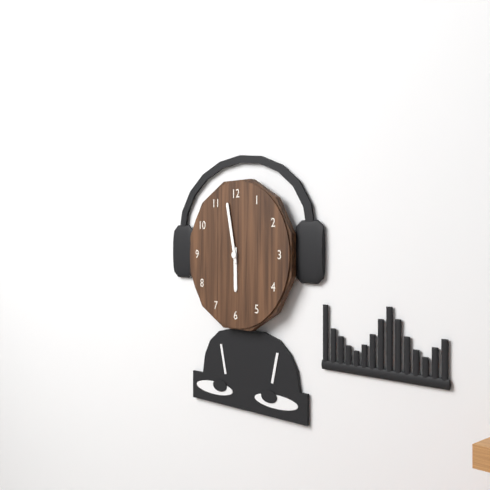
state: 5:58
